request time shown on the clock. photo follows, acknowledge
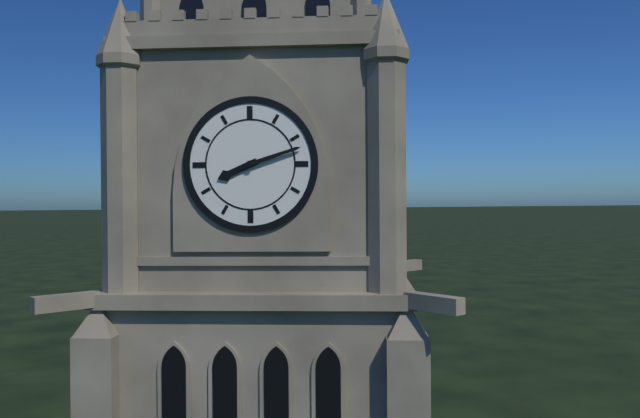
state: 8:12
